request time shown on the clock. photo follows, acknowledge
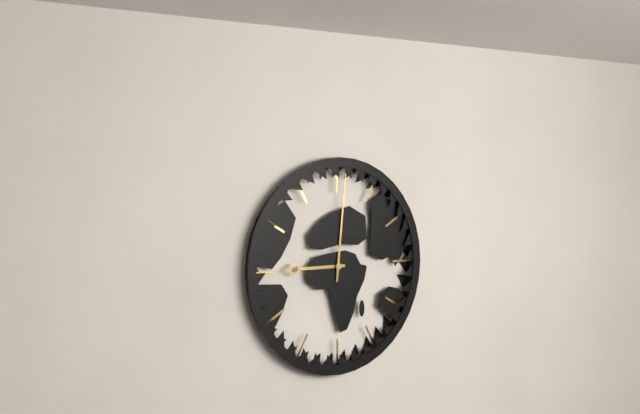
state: 9:01
